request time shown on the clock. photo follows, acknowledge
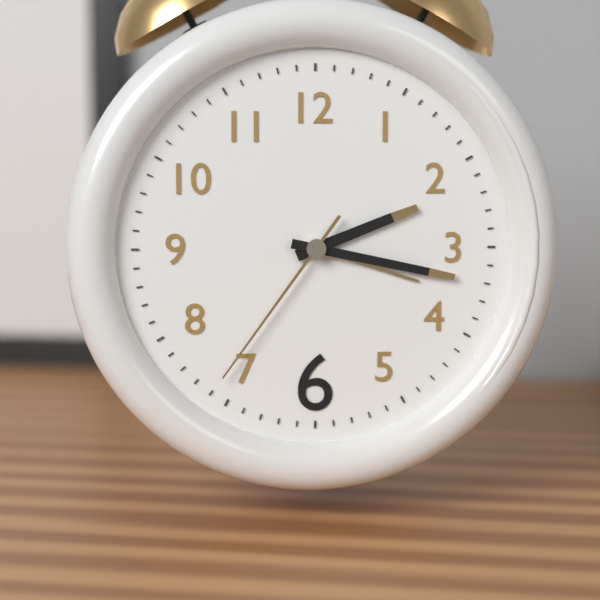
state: 2:17:36
